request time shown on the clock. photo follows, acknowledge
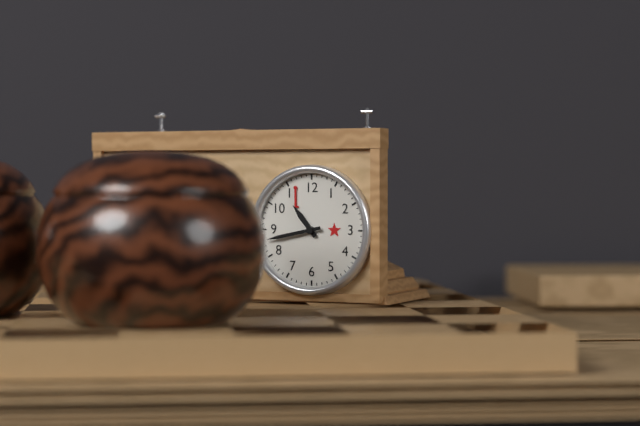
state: 10:43
